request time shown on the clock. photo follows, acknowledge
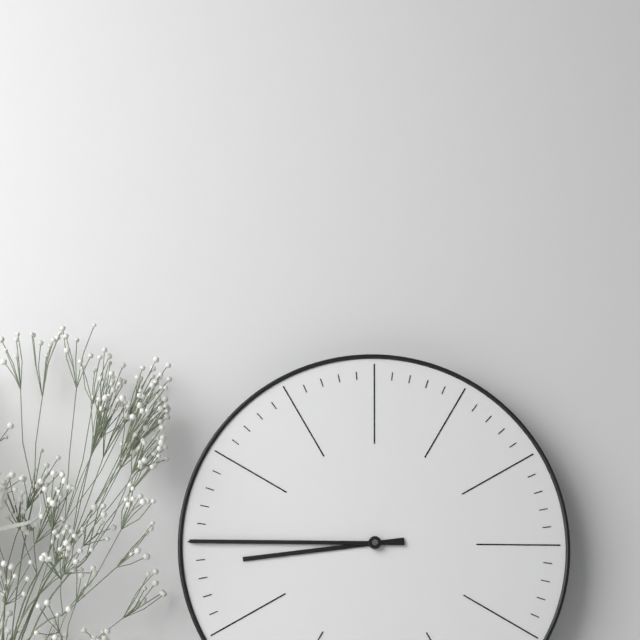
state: 8:45
